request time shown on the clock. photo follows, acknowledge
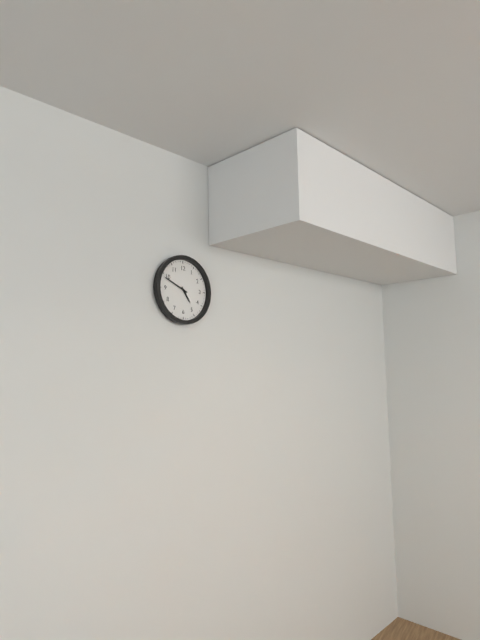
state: 4:49
